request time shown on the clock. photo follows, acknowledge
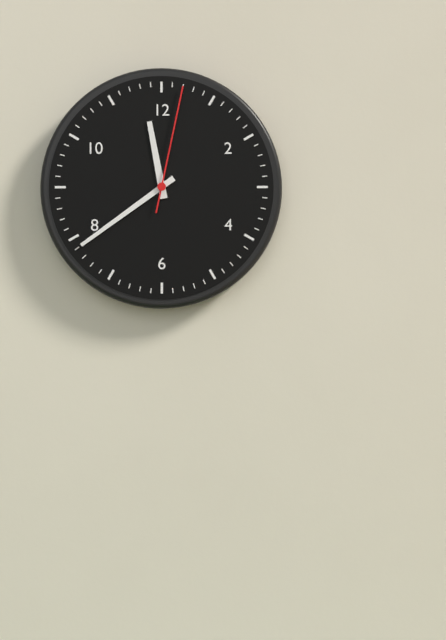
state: 11:39:02
